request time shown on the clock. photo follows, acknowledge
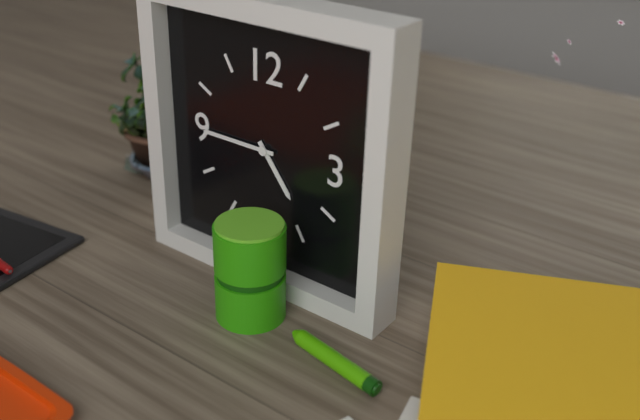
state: 4:45
